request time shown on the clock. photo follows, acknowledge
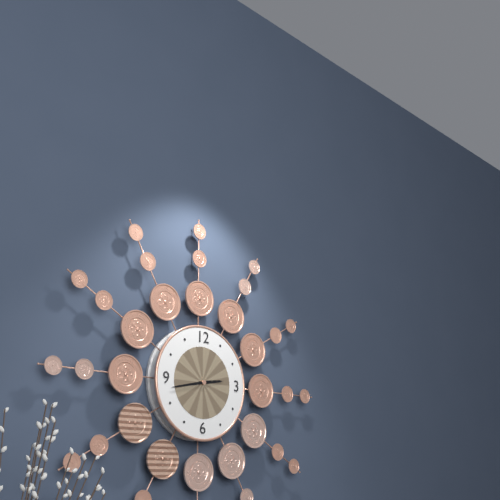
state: 2:43
